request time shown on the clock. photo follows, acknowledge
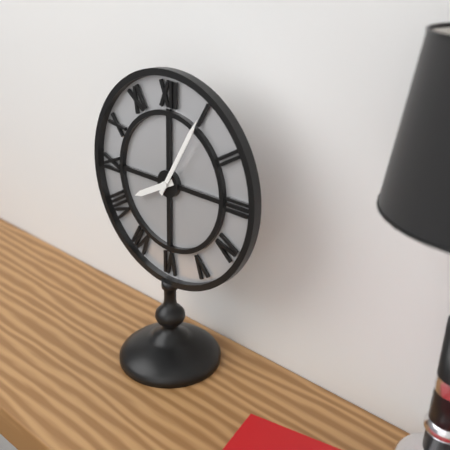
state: 8:05
